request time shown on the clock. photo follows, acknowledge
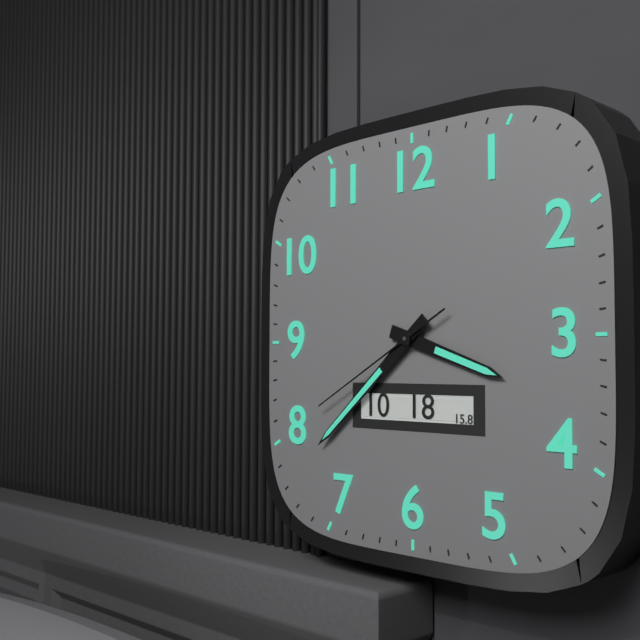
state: 3:38:40
